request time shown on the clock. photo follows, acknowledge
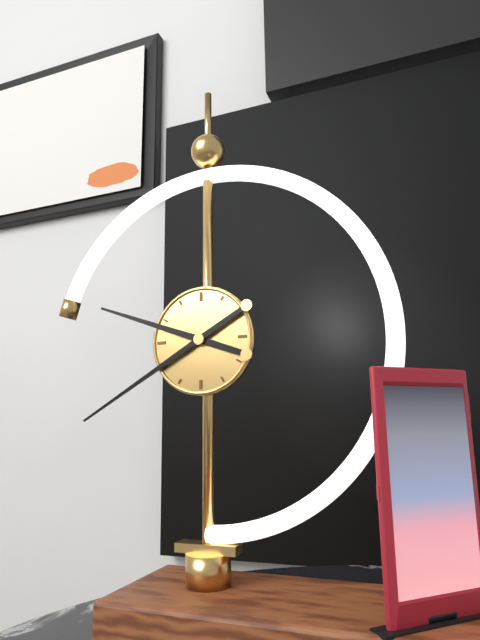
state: 9:40
